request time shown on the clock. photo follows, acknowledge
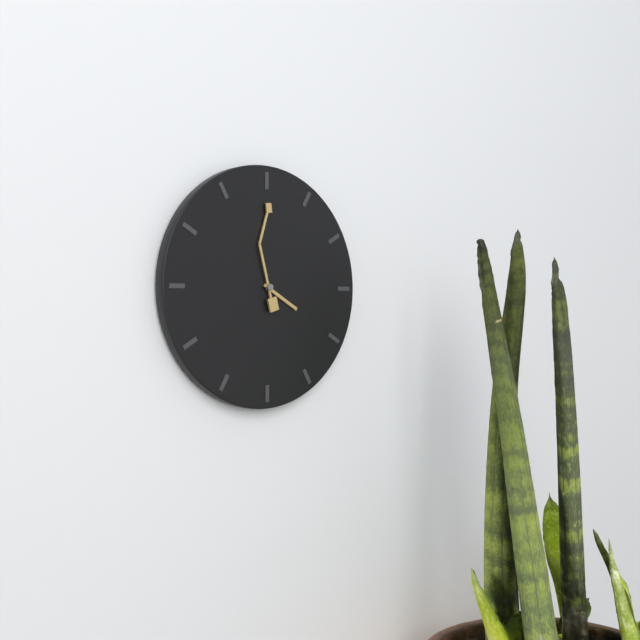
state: 4:00
